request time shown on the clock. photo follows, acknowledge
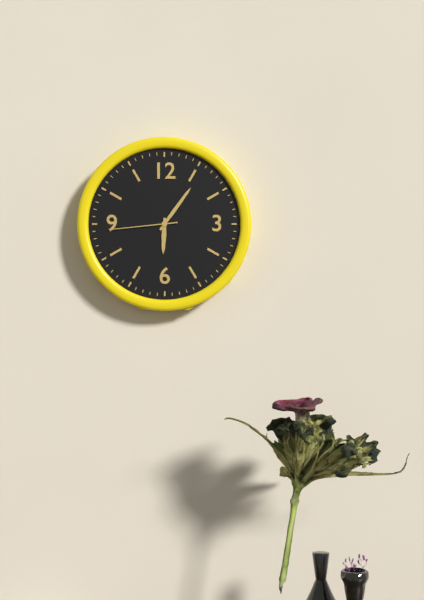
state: 6:06:44
